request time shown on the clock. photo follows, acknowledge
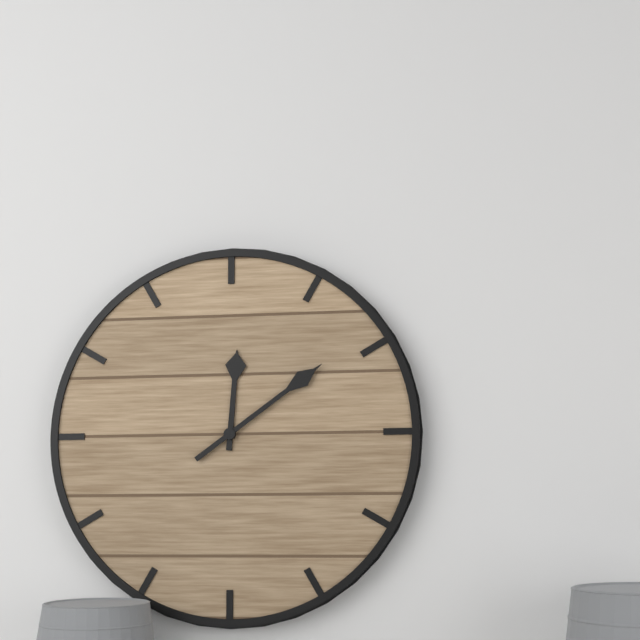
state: 12:09
